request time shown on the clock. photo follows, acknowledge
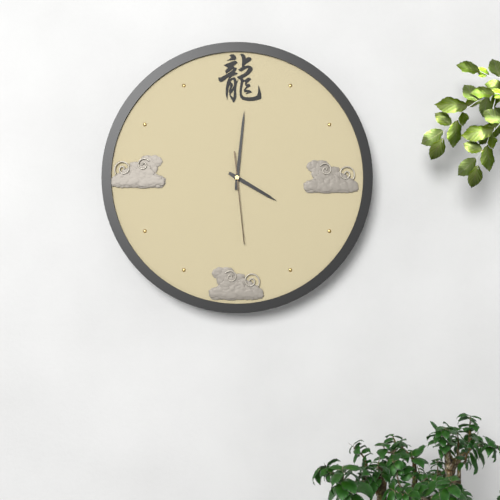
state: 4:01:29
